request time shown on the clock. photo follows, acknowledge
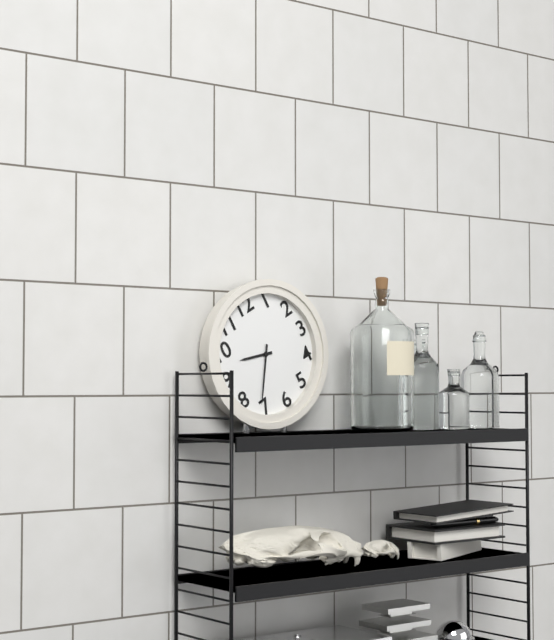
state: 9:36
